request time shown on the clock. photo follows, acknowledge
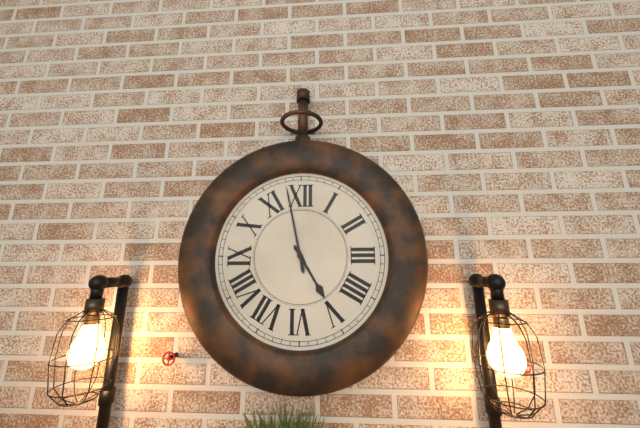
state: 4:58
